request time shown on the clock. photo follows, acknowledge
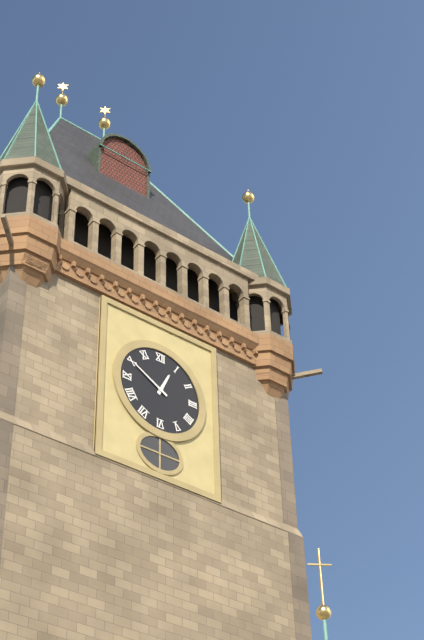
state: 12:50
